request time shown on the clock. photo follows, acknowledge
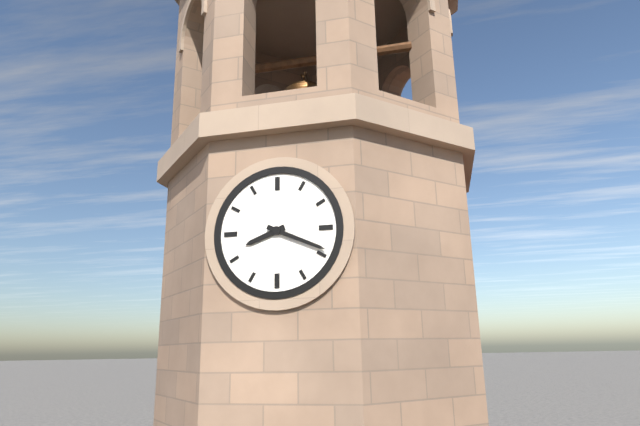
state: 8:19
